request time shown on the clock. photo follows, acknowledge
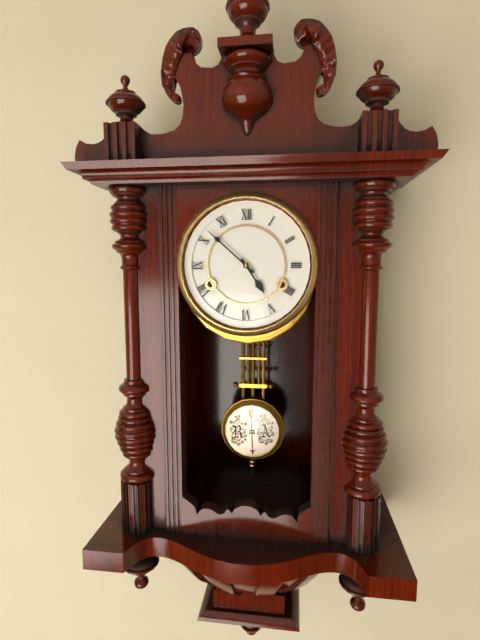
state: 4:52
